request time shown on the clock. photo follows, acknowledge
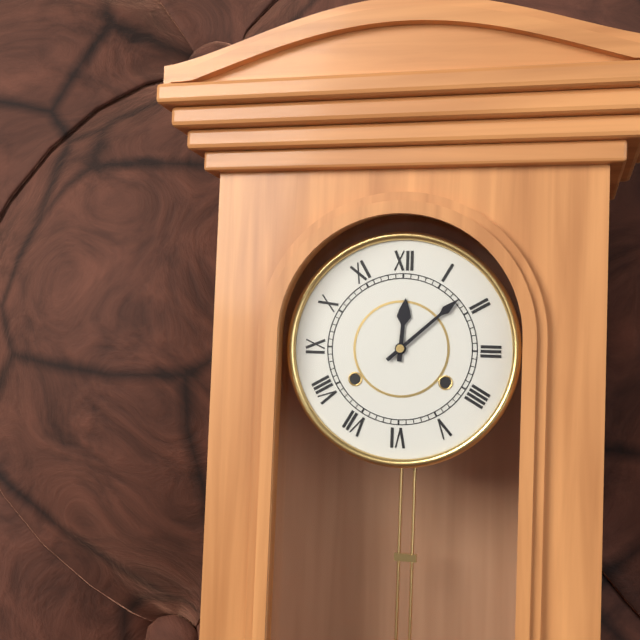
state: 12:08
